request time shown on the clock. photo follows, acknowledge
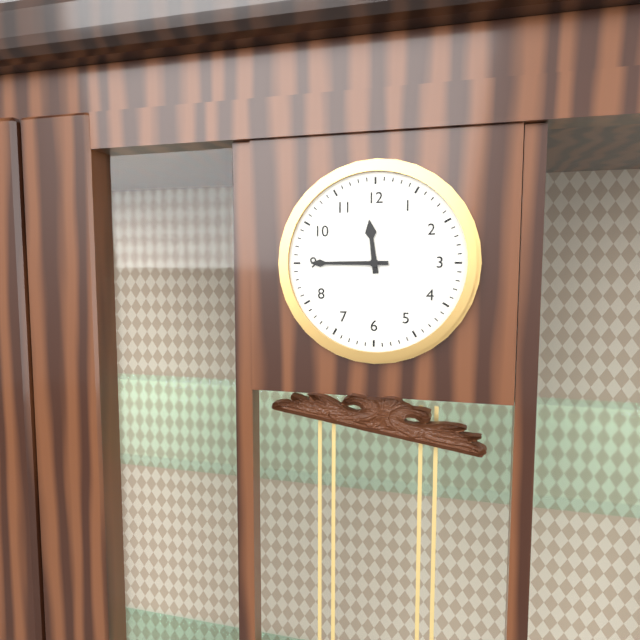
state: 11:45
